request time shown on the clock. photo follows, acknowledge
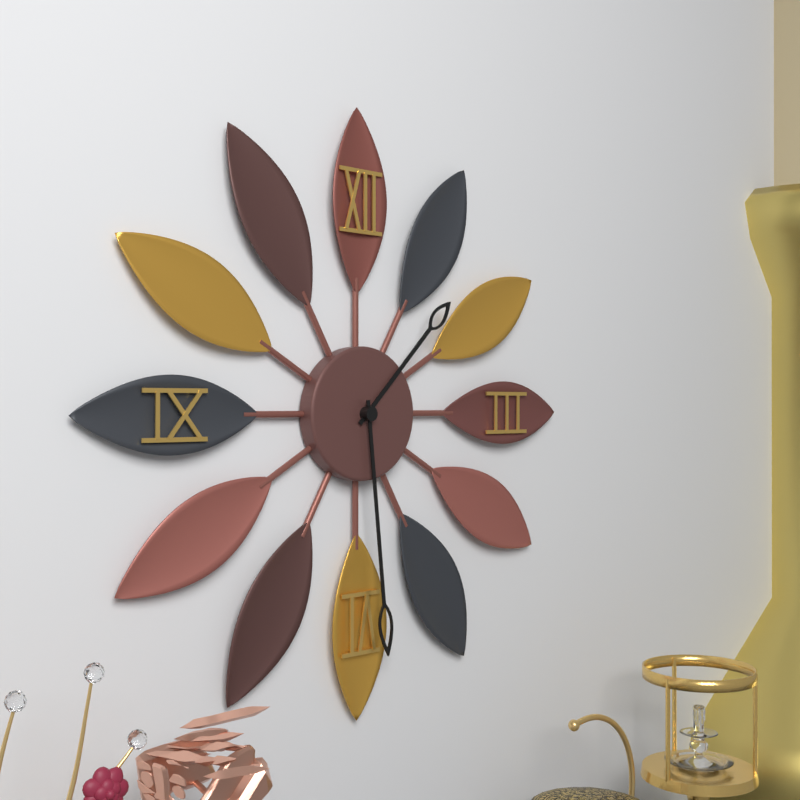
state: 1:29
